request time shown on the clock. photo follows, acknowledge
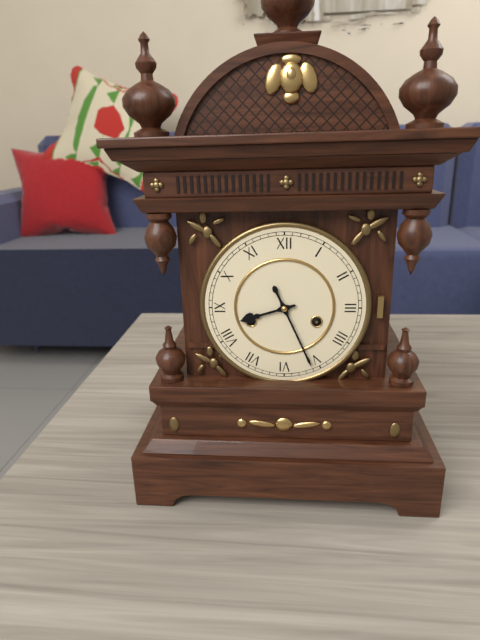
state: 8:26
